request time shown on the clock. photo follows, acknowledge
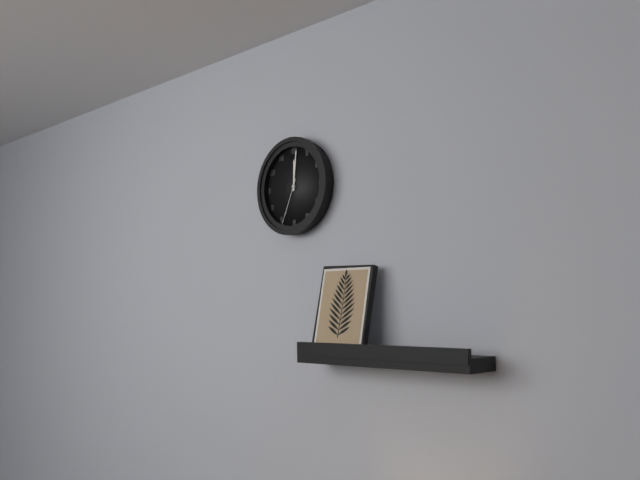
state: 12:01:34
